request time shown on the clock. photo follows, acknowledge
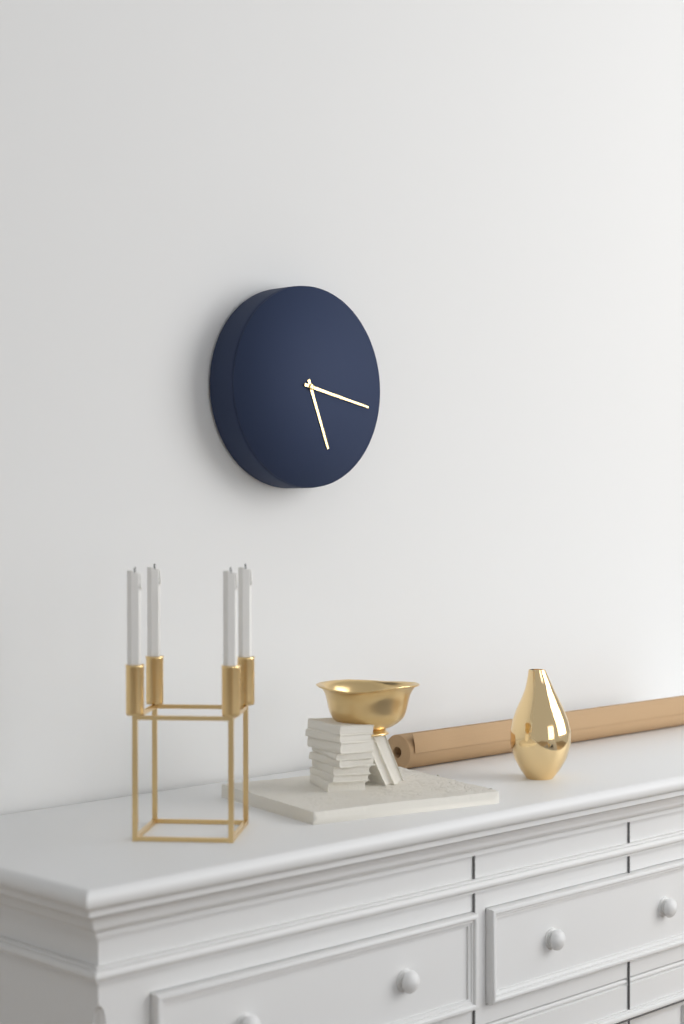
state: 5:17
